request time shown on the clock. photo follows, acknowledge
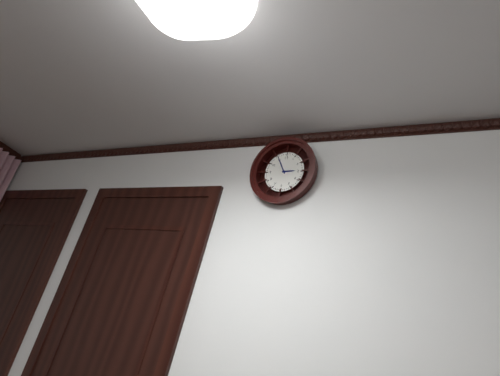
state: 2:55
